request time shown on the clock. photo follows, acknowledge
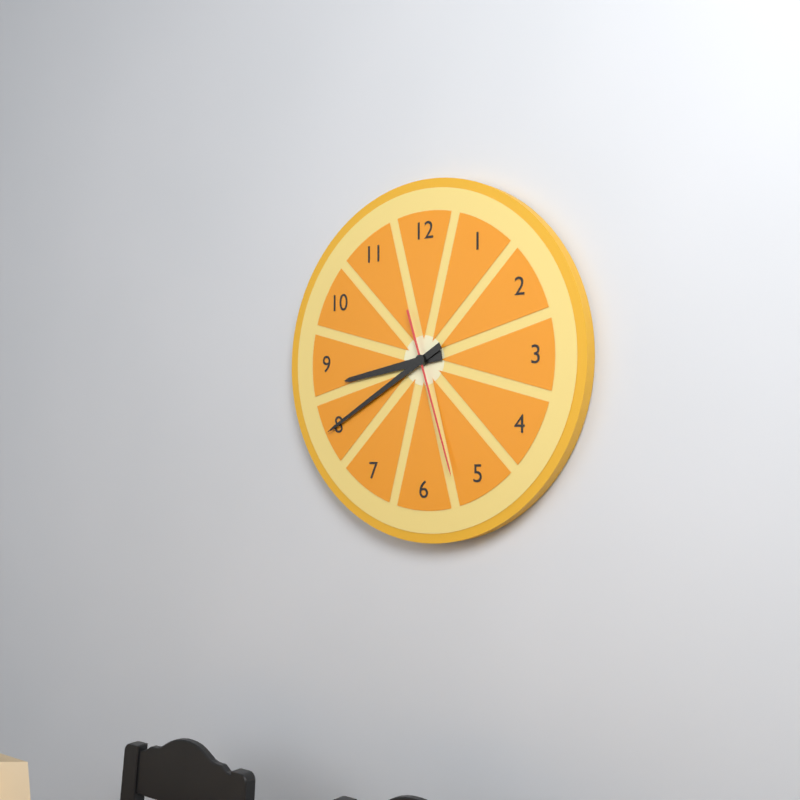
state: 8:40:27
